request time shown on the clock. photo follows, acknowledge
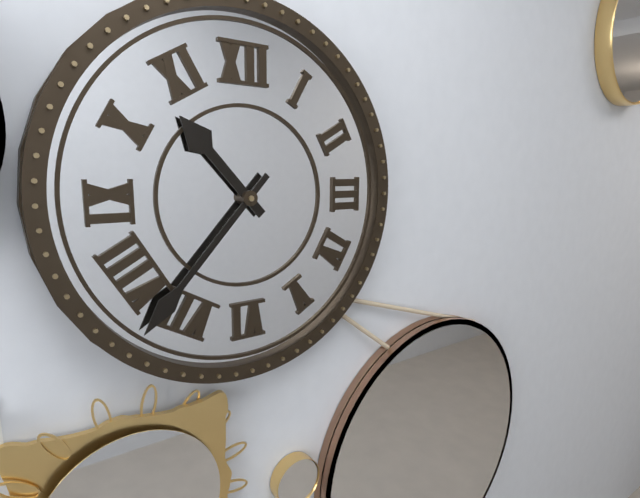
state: 10:37
